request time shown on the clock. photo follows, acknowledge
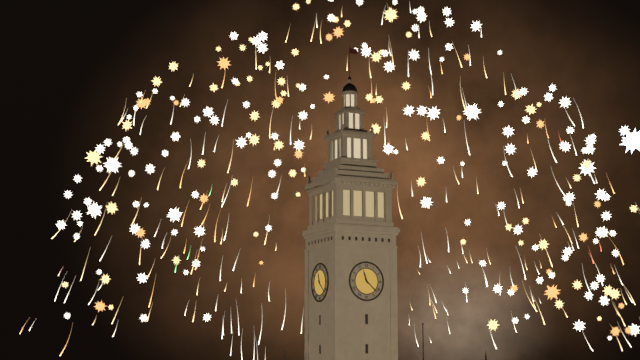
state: 11:22
